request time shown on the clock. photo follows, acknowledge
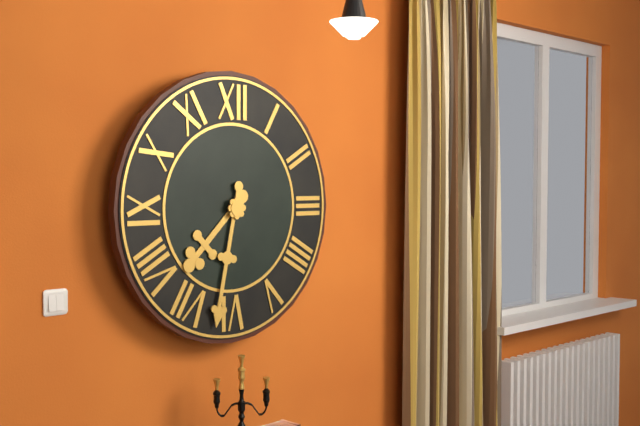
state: 7:32
